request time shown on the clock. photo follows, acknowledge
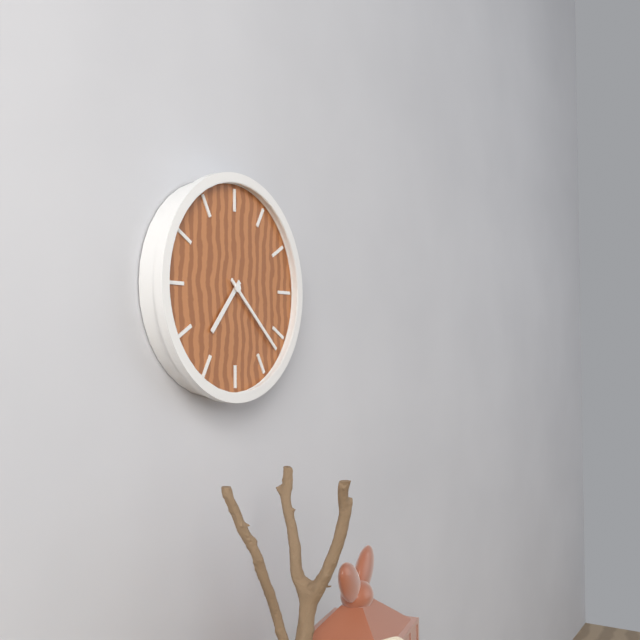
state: 7:22
